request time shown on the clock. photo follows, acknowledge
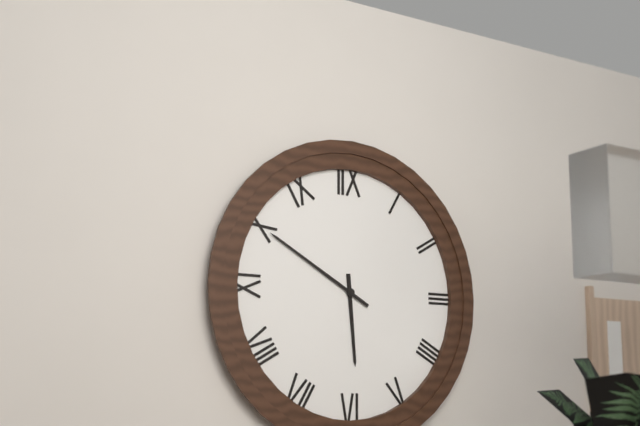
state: 5:50
